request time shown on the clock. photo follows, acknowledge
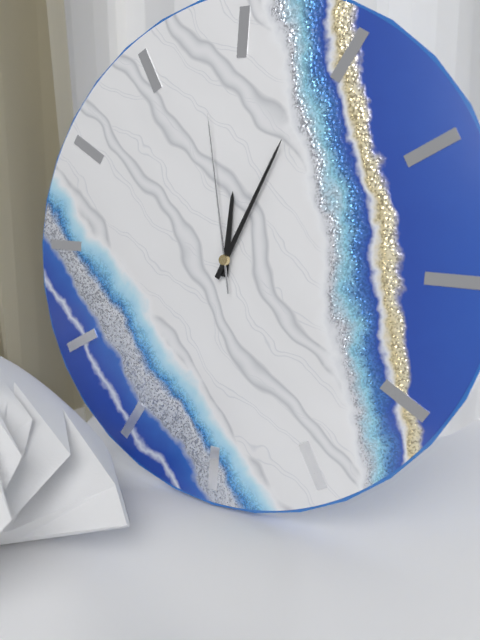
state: 12:04:58
